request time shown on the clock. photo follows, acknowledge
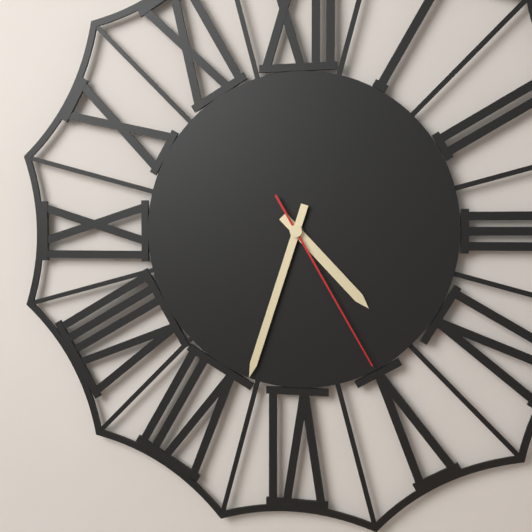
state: 4:33:25
